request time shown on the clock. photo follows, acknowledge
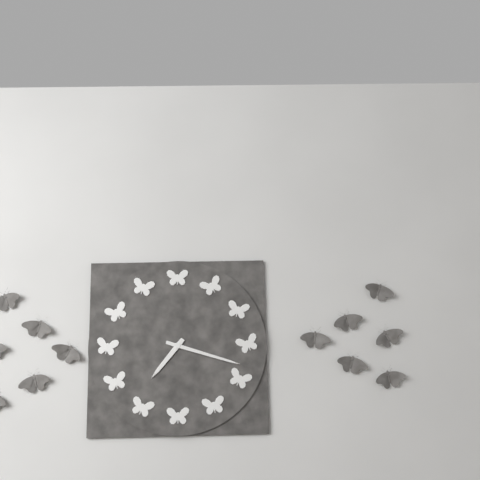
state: 7:18
